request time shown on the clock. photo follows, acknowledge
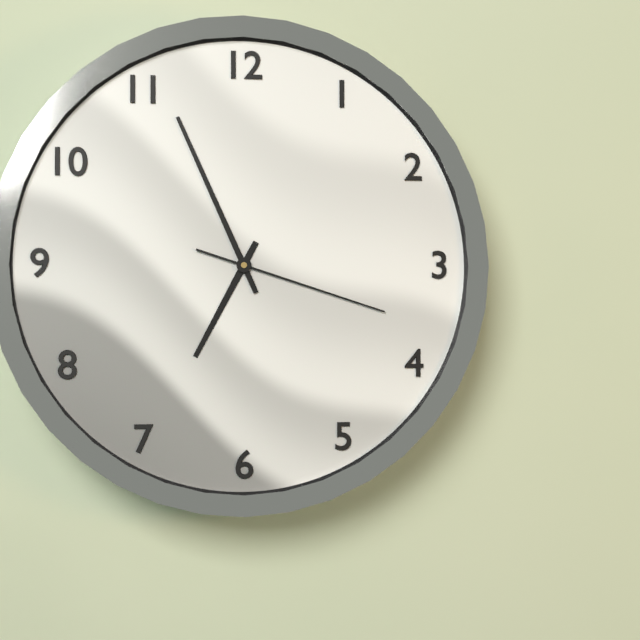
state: 6:56:18
